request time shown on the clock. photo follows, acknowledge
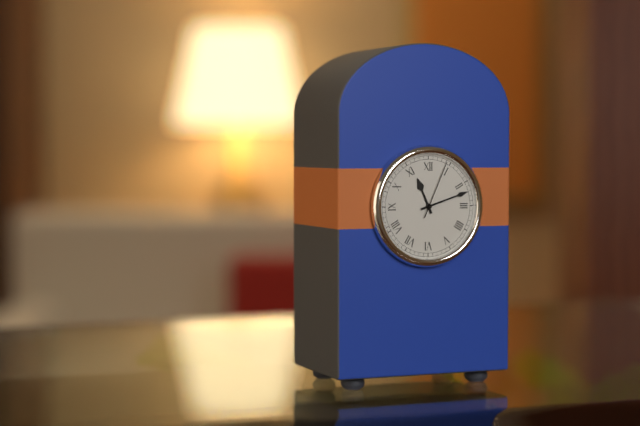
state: 11:12:04
